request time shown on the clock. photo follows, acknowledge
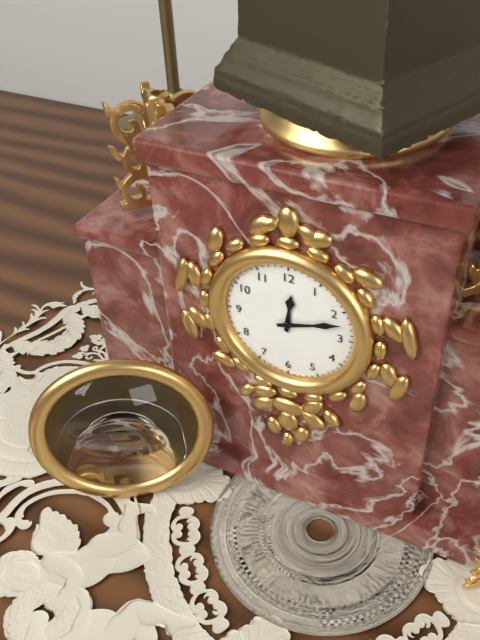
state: 12:12
